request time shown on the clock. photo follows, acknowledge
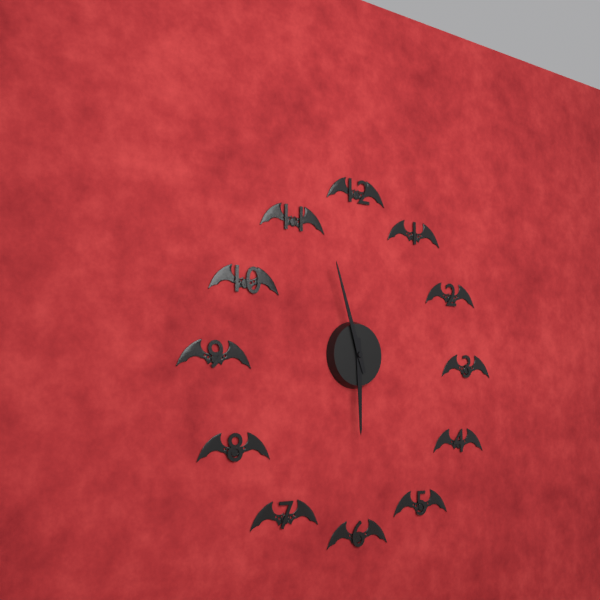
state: 5:57
